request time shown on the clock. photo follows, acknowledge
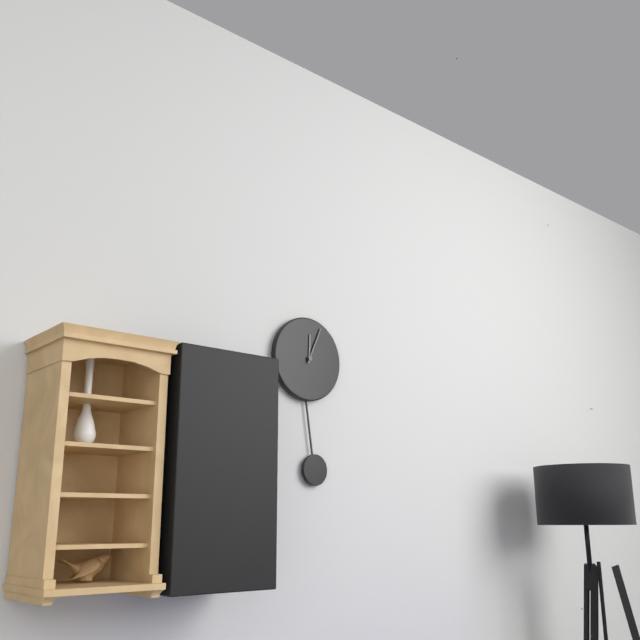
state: 12:04
